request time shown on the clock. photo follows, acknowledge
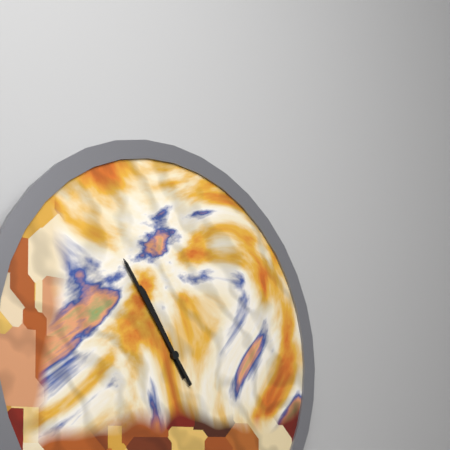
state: 10:54
